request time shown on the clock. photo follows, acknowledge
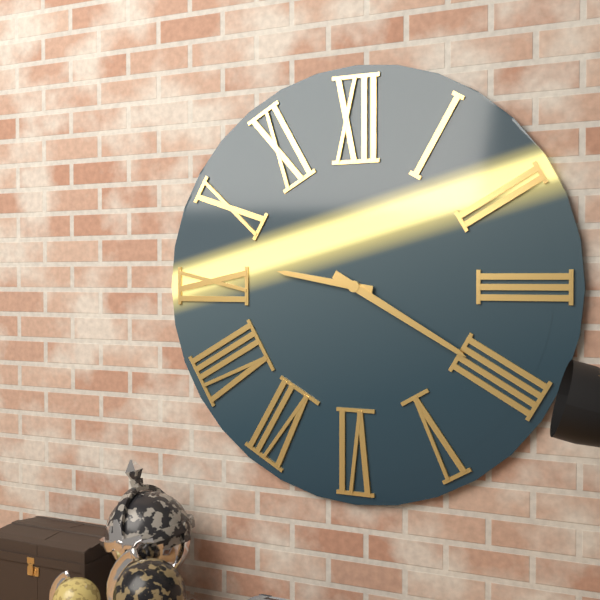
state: 9:20
